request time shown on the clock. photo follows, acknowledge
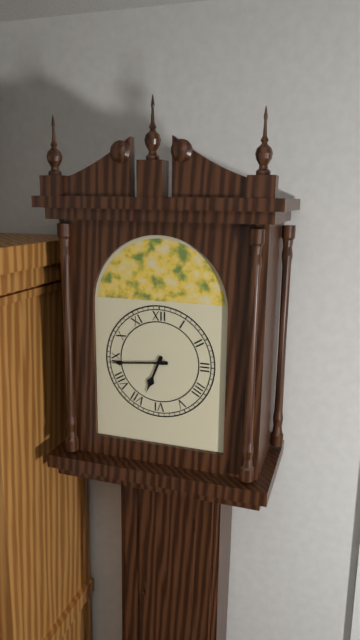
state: 6:44
